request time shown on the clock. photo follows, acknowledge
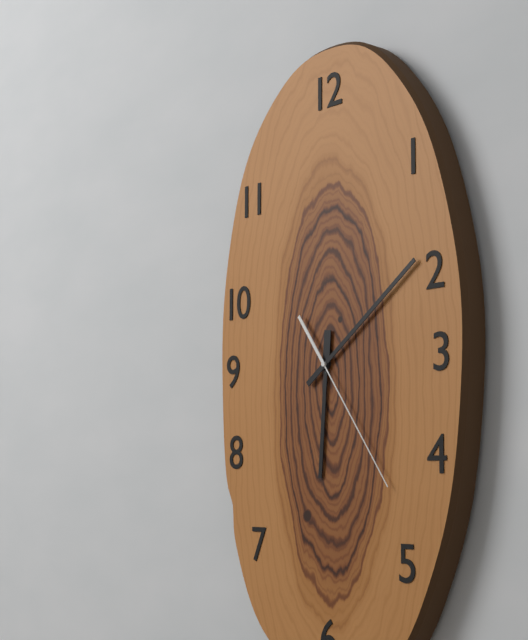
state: 6:09:24
